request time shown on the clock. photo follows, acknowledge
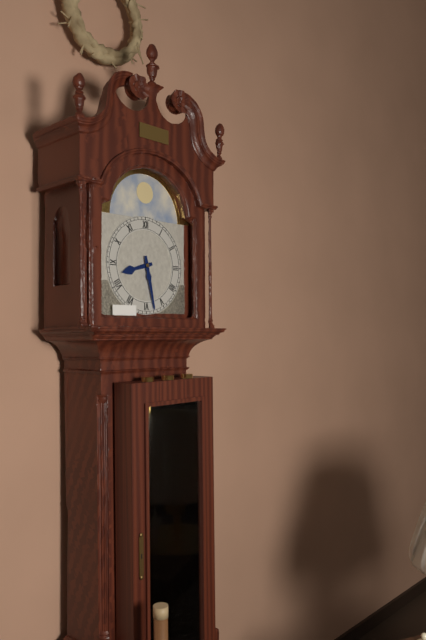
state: 8:28
